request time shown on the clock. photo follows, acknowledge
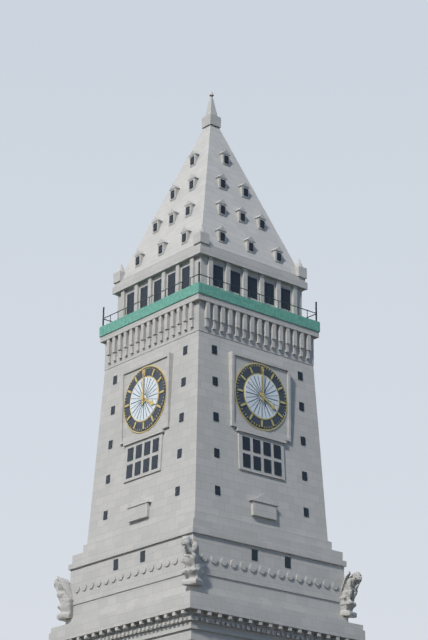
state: 4:00
